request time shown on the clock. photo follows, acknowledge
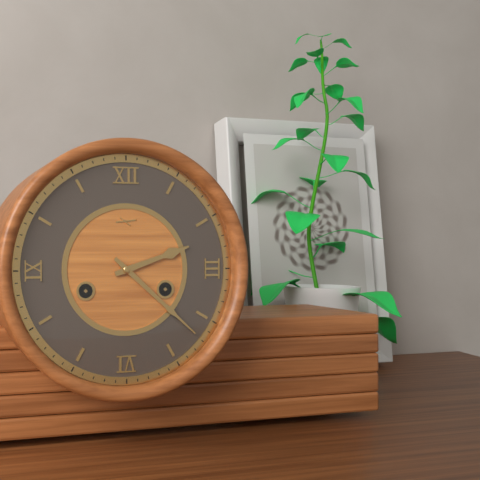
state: 2:22
